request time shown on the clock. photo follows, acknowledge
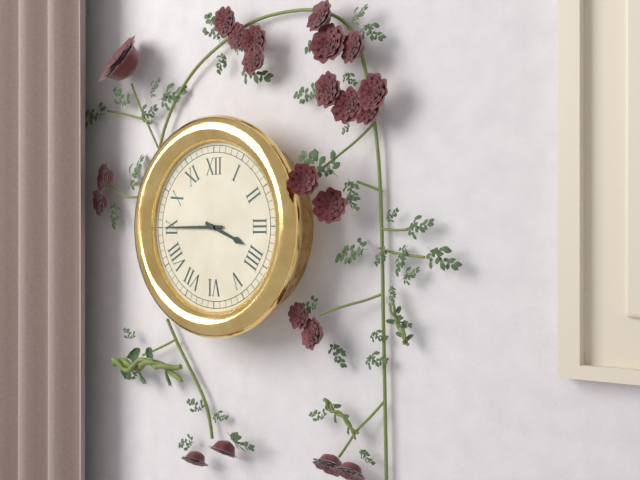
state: 3:45
